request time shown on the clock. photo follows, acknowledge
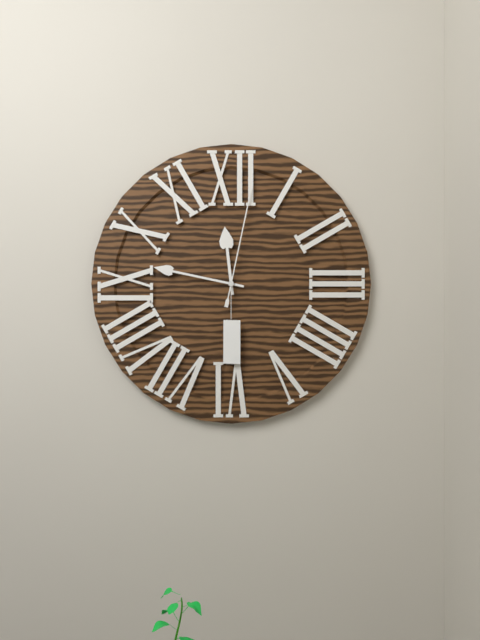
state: 11:47:02
